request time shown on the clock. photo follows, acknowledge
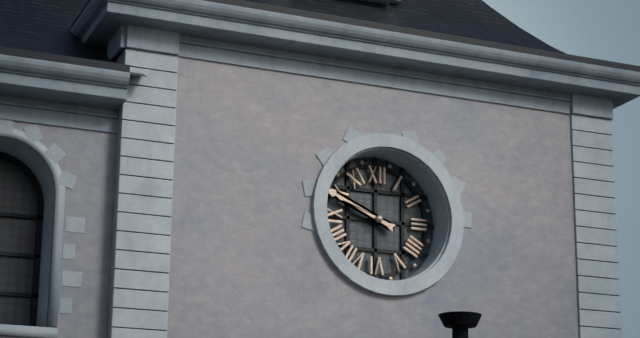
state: 9:49
